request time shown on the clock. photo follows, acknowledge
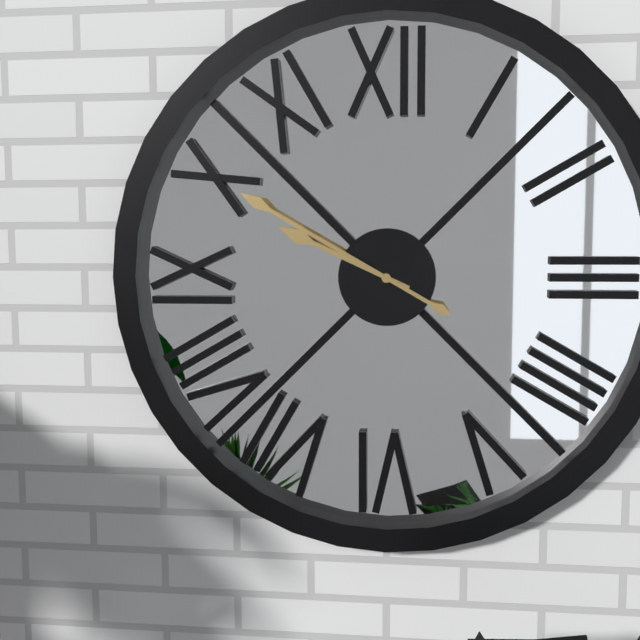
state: 9:50
